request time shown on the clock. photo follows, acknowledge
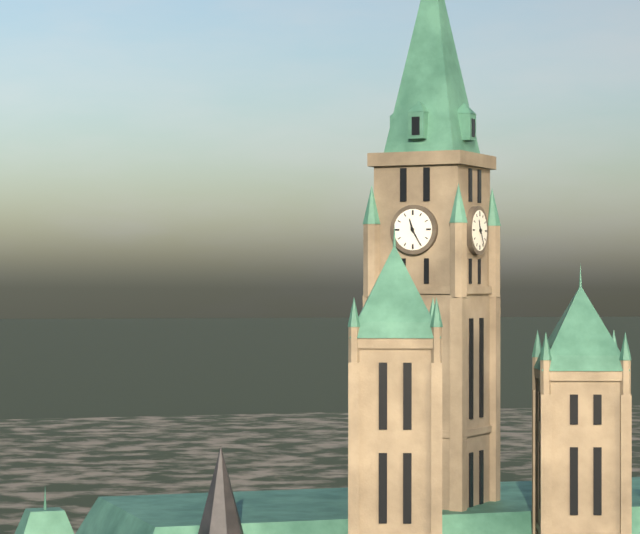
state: 11:25
